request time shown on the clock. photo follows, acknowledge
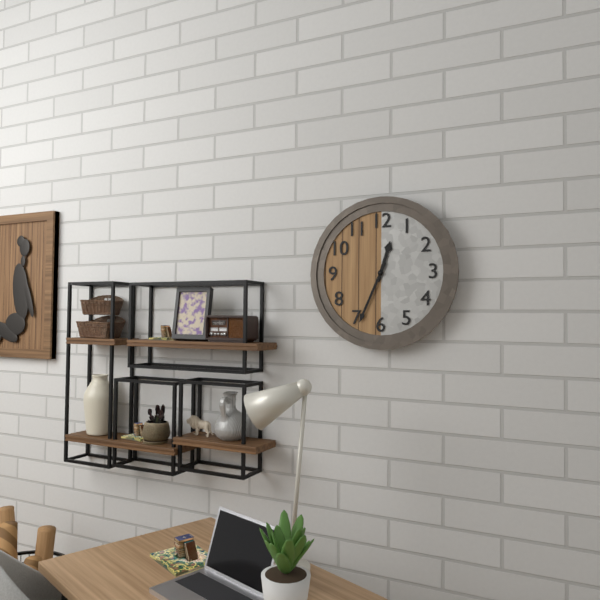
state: 12:34
